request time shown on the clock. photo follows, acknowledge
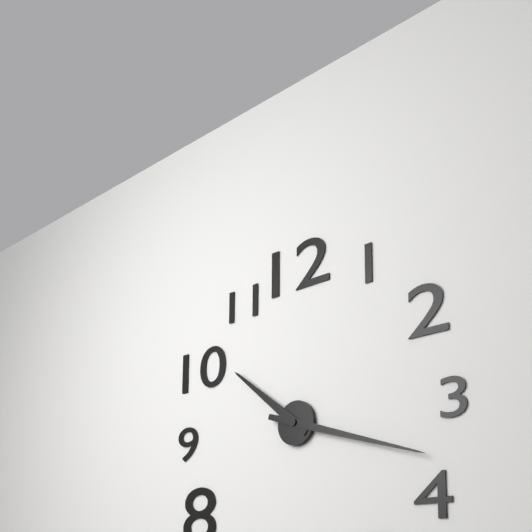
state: 10:18
